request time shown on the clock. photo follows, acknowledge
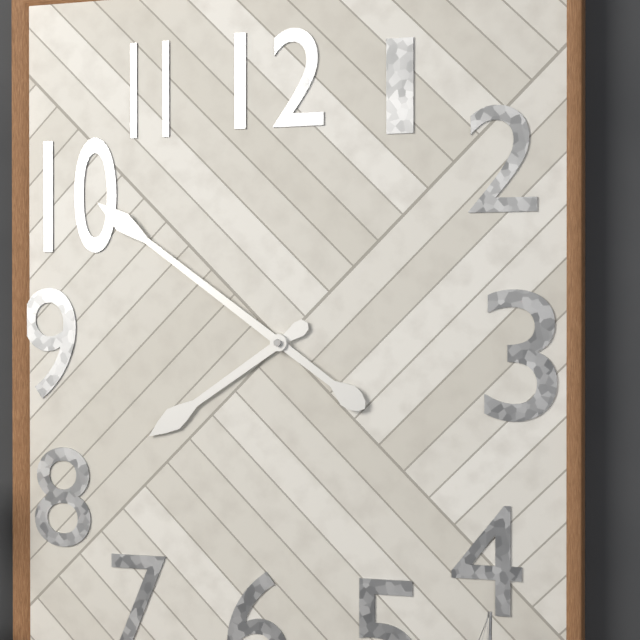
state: 7:51
